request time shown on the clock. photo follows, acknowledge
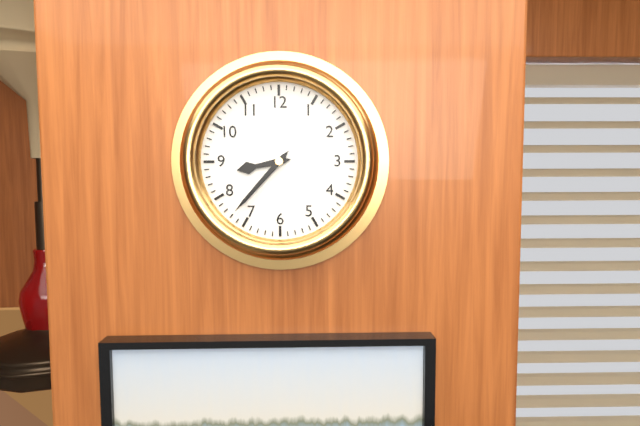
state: 8:37
